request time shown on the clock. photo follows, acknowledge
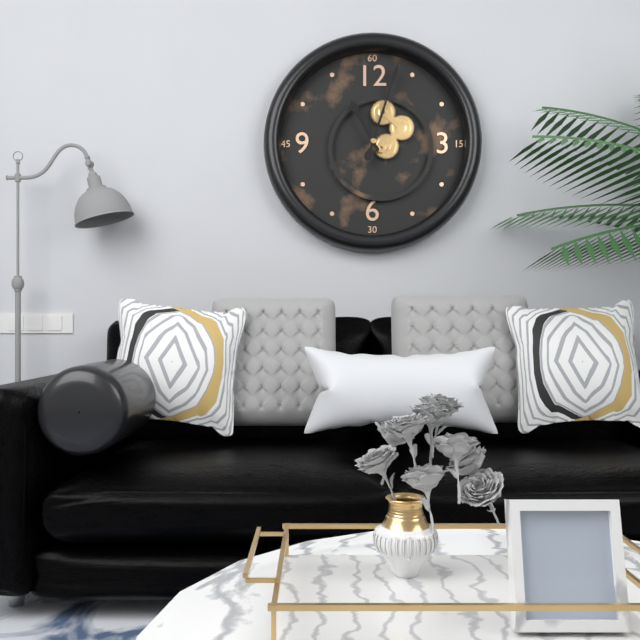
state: 11:03
